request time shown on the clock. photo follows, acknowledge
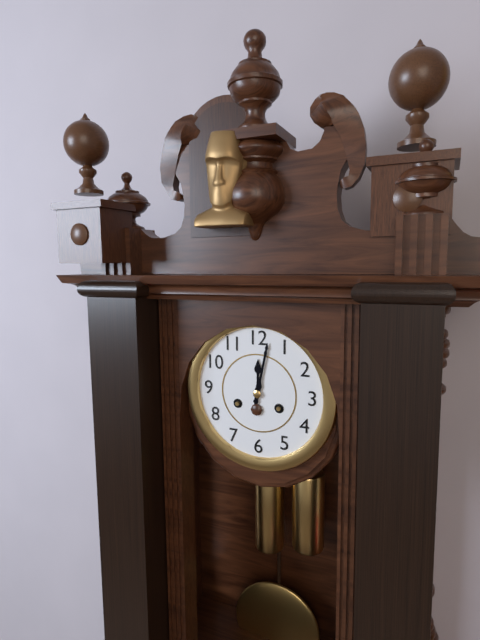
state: 12:02
